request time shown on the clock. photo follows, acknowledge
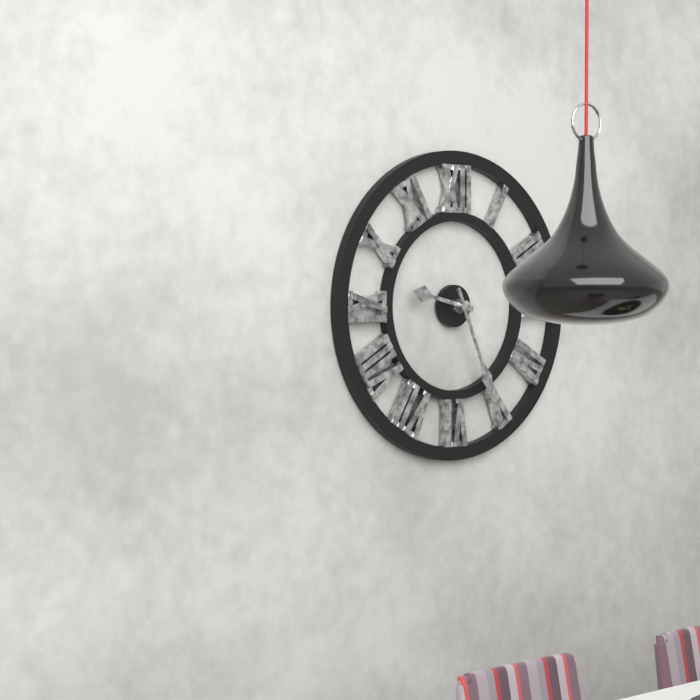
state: 9:26
